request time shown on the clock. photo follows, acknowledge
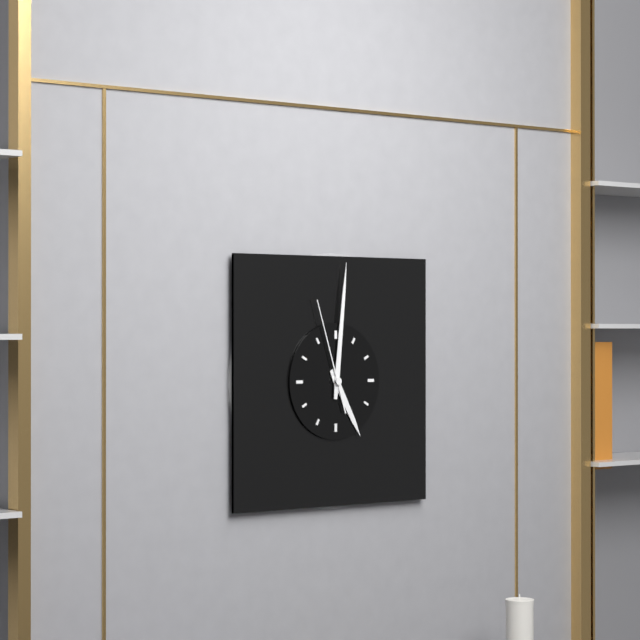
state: 5:01:57
